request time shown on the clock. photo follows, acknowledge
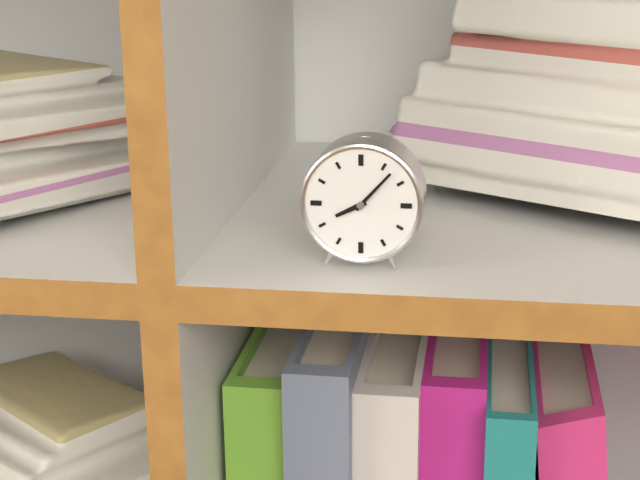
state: 8:07
